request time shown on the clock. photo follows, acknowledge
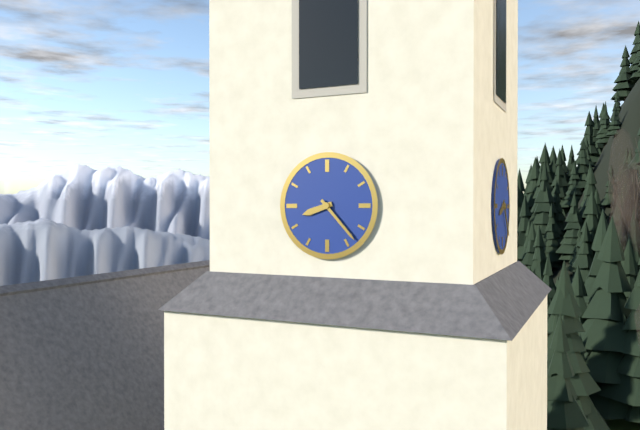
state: 8:23
